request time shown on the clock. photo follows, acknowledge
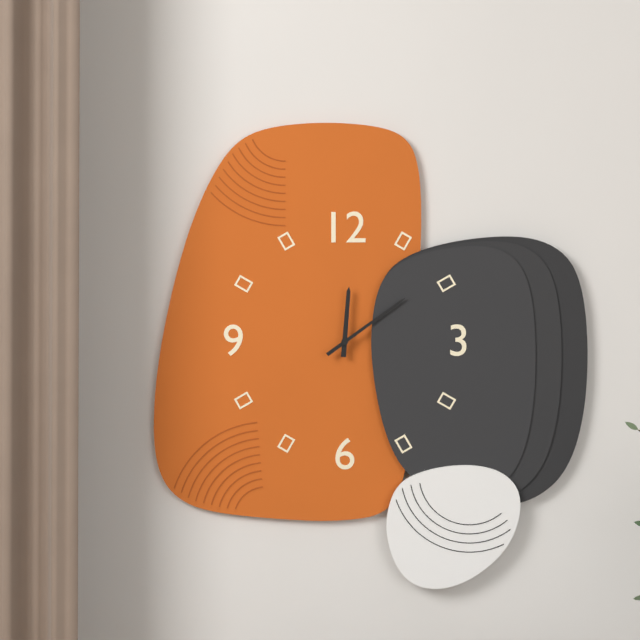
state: 12:09
